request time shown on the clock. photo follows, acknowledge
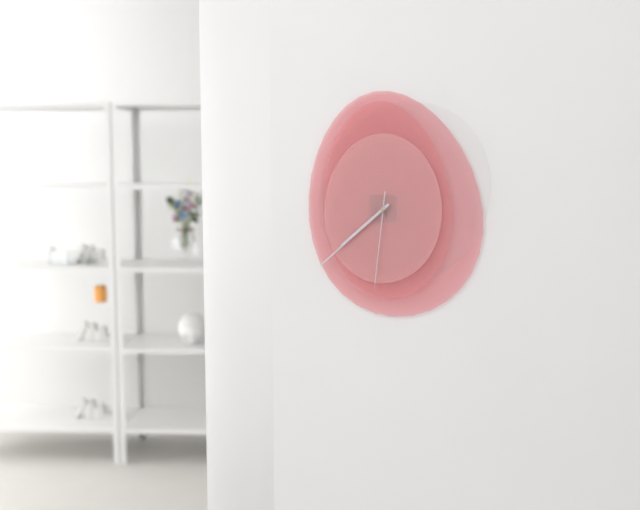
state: 7:38:31
